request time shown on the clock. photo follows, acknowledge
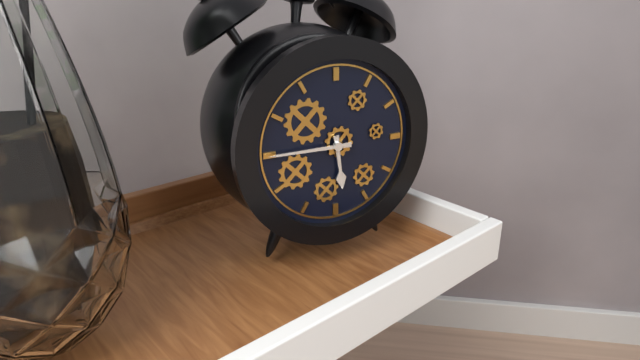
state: 5:45
